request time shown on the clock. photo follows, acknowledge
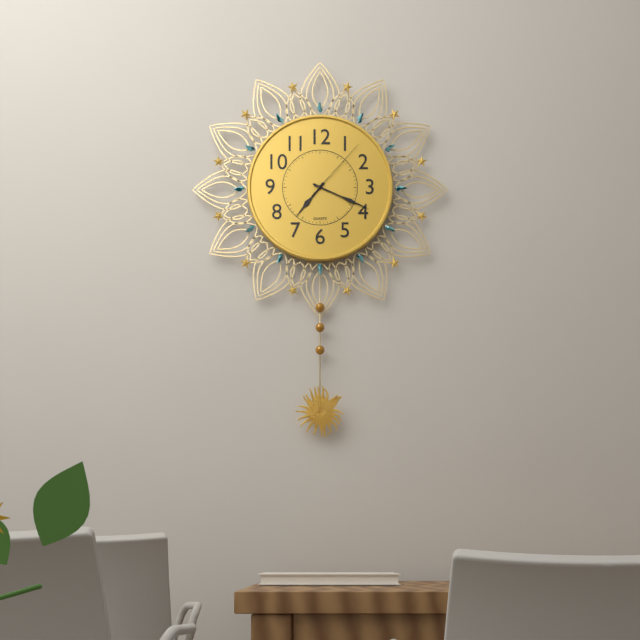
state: 7:19:07
